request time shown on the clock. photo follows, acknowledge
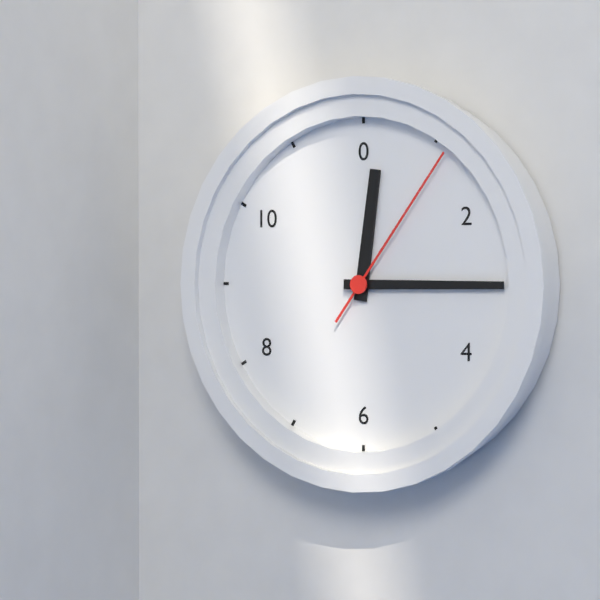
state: 12:15:06
